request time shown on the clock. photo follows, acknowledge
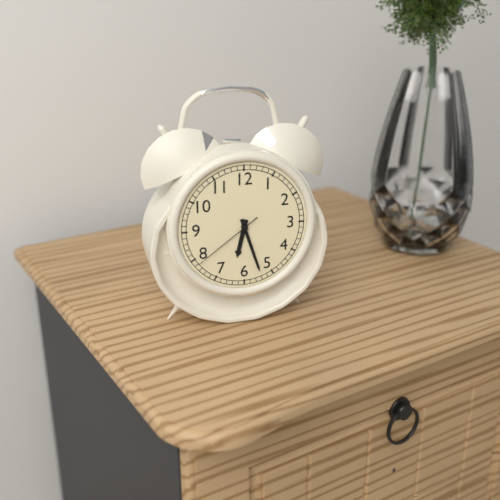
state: 6:27:39
